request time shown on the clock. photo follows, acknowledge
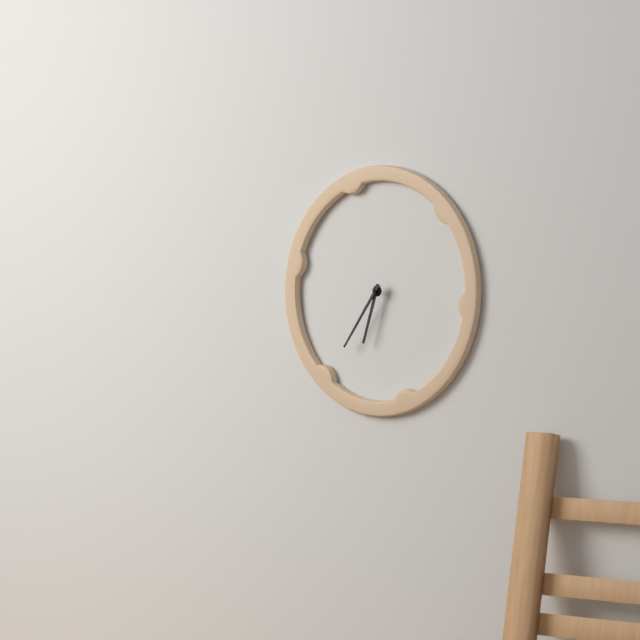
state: 6:36
